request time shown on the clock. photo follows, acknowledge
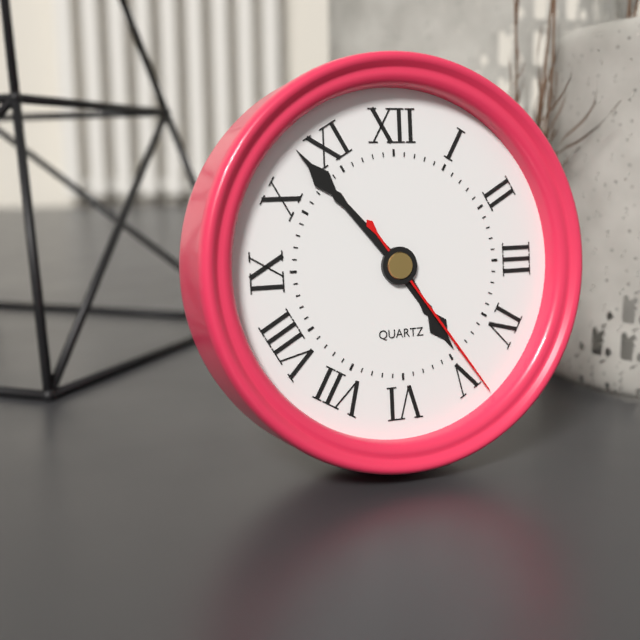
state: 4:53:24
